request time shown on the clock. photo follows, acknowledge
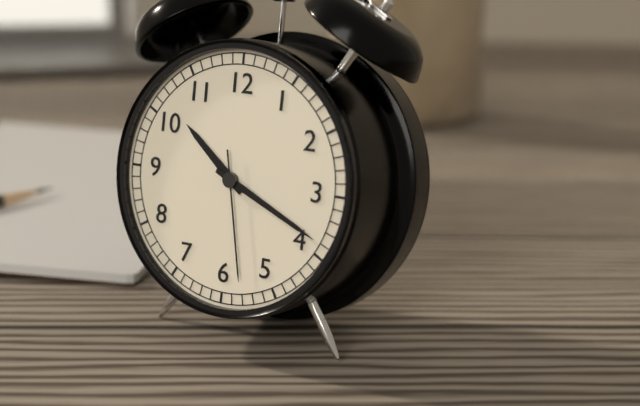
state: 10:19:28
